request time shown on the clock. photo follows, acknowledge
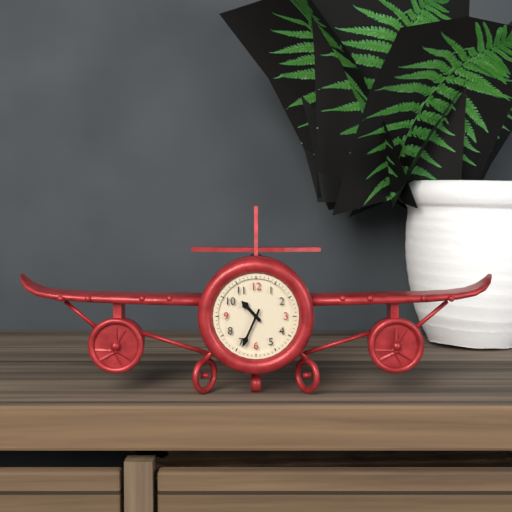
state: 10:34
